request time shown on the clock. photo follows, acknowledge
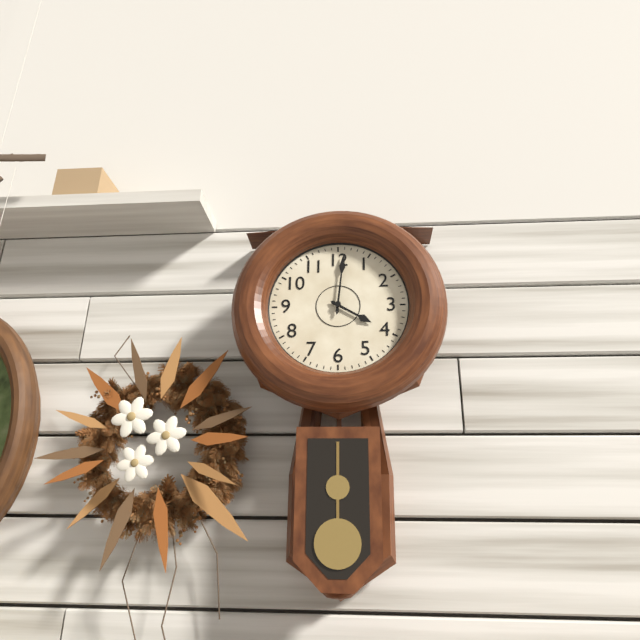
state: 4:01
